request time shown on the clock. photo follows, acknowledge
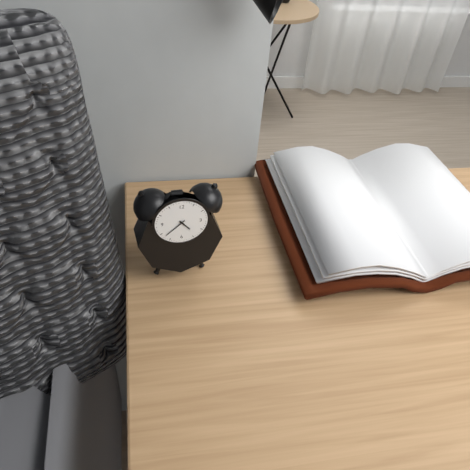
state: 4:38
